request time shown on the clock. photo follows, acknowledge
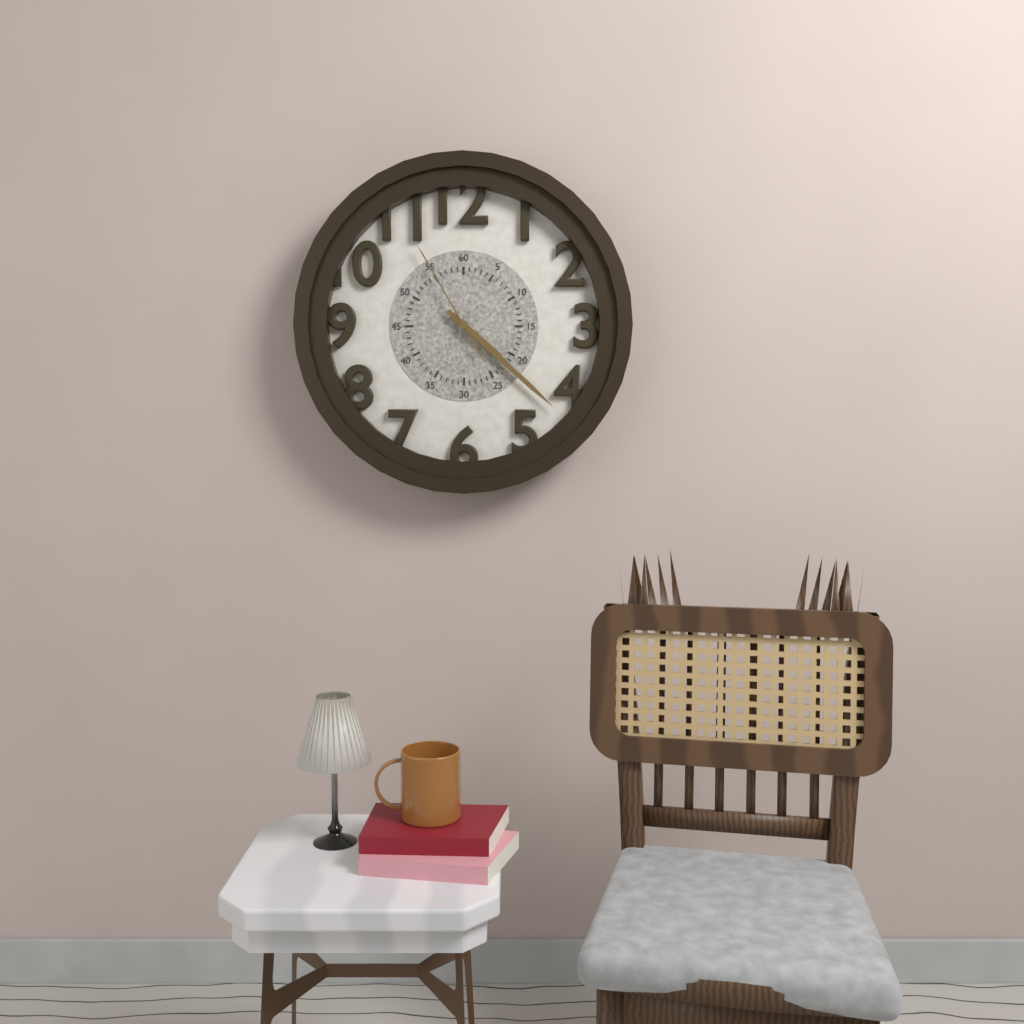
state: 4:22:55
